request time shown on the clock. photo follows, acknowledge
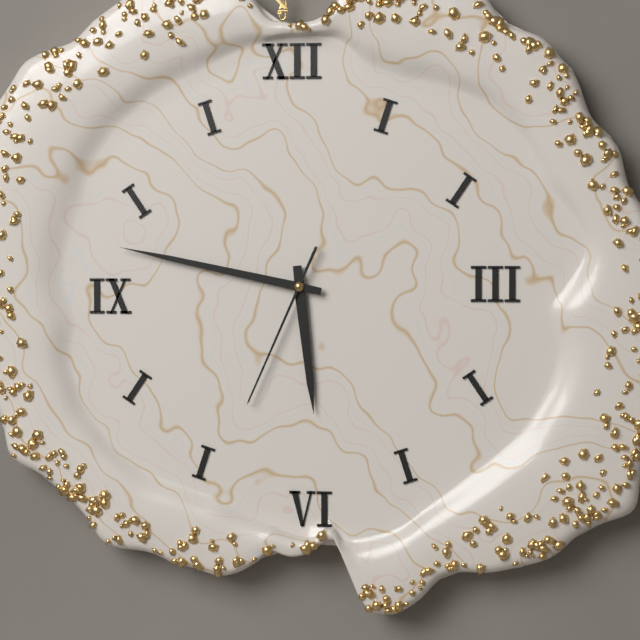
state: 5:47:34
